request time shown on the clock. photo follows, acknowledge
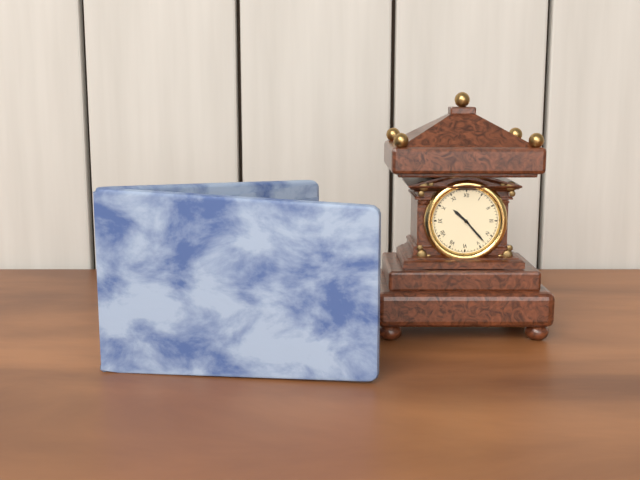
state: 10:23
